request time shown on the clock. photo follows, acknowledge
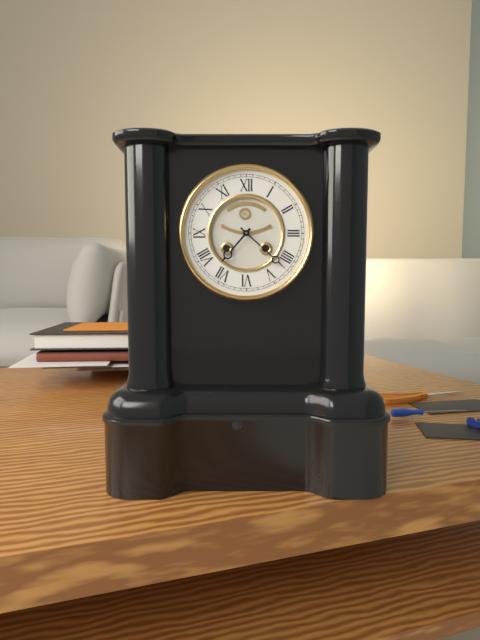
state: 7:22
